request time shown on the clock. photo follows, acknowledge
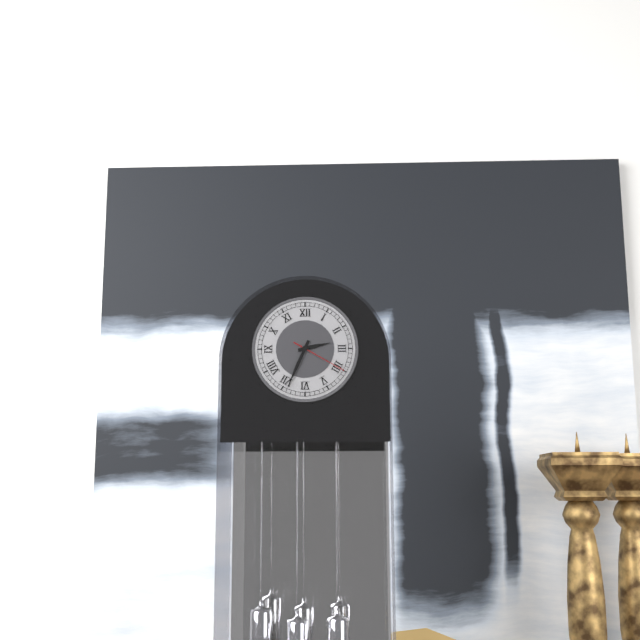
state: 2:34:20
